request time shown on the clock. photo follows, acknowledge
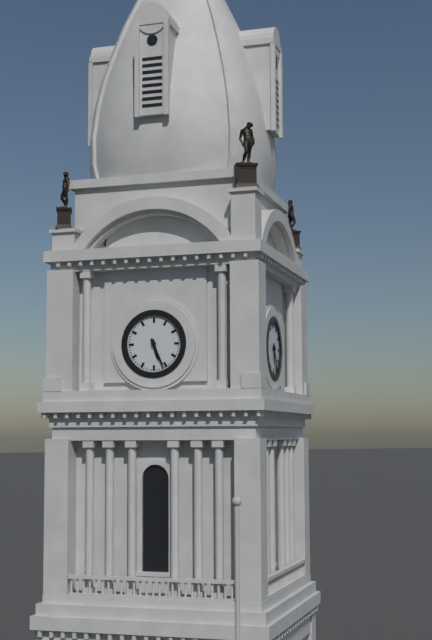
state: 5:26
